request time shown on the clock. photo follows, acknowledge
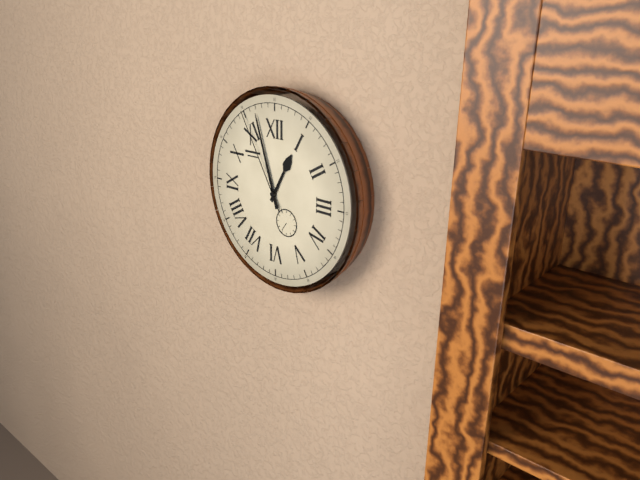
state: 12:57:55
